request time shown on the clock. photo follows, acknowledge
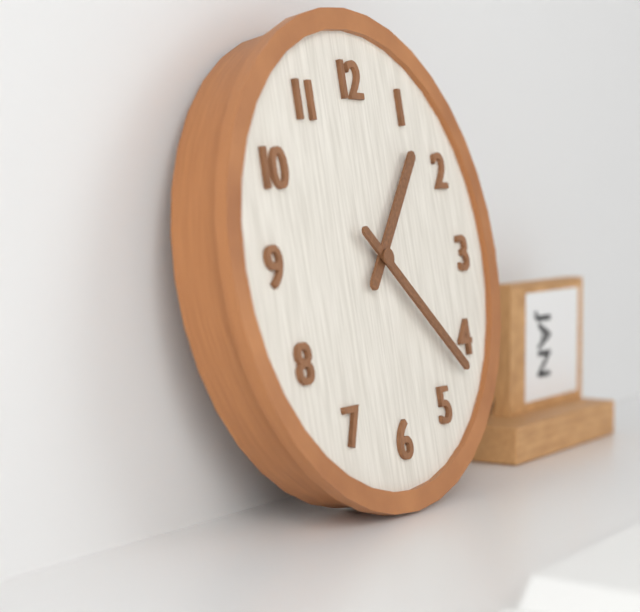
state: 1:22
